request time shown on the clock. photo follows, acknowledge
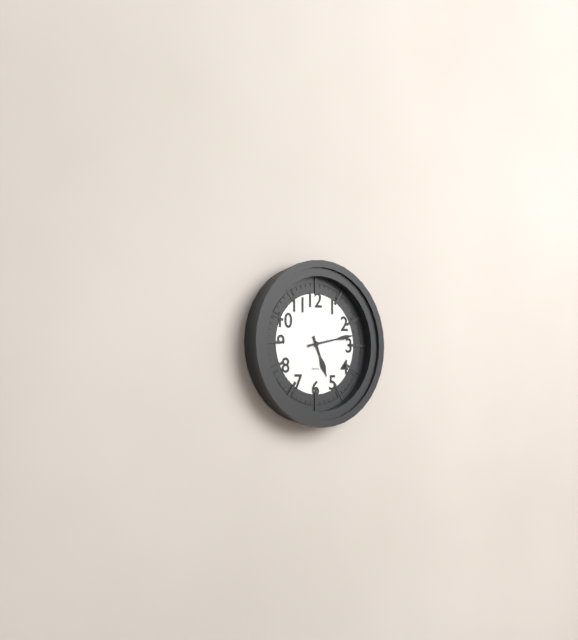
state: 5:13
